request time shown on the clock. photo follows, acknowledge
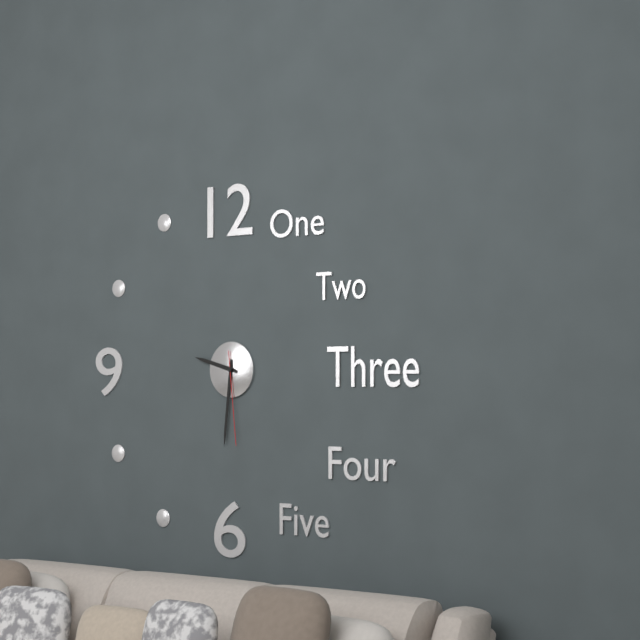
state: 9:31:29
